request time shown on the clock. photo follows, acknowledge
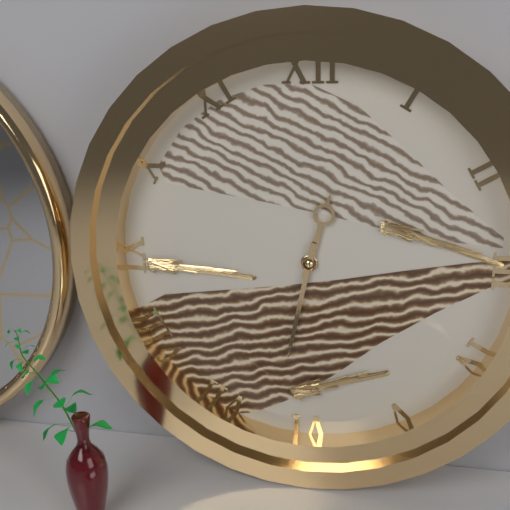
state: 12:32
